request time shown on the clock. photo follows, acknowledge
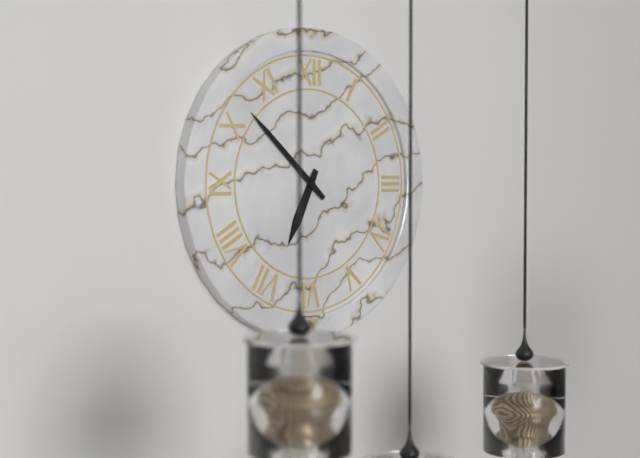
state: 6:52
